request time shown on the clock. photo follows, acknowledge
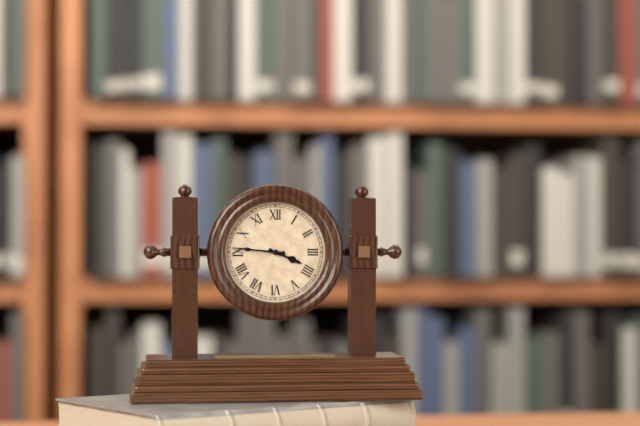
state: 3:46
